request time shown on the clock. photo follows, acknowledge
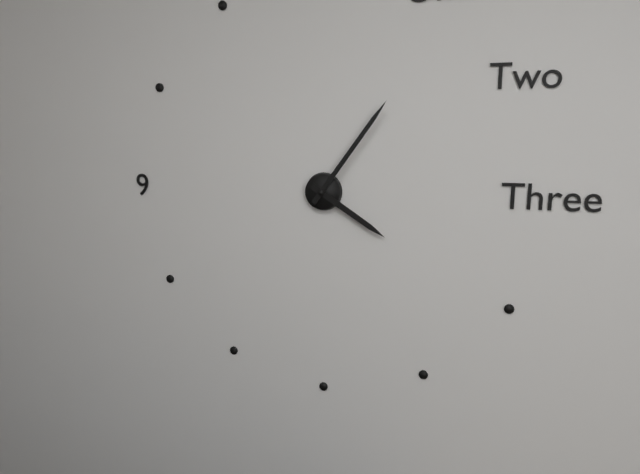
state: 4:06
